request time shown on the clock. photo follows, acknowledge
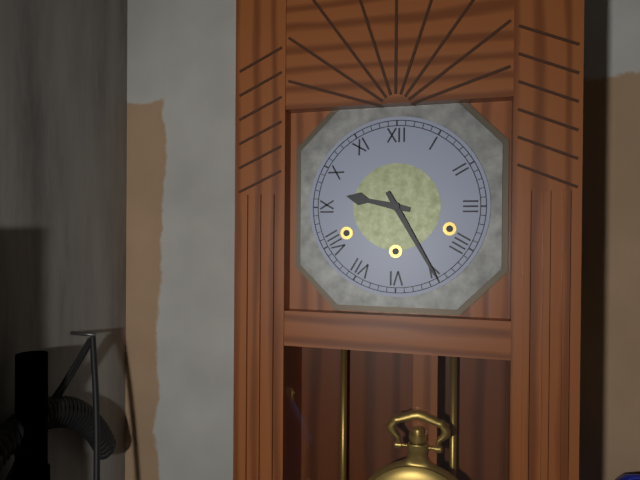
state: 9:25
